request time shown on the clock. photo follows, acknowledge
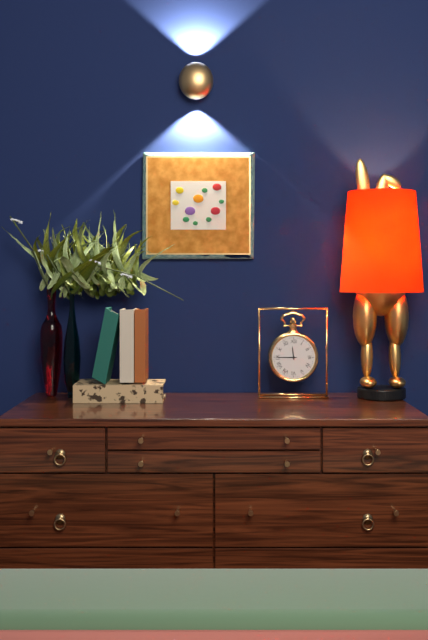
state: 11:45
